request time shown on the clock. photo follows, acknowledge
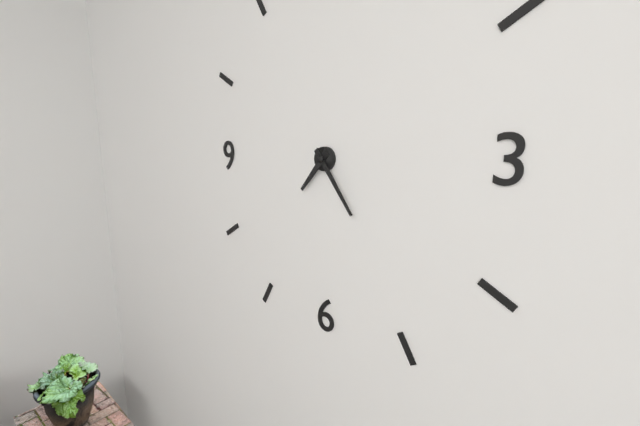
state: 7:24
